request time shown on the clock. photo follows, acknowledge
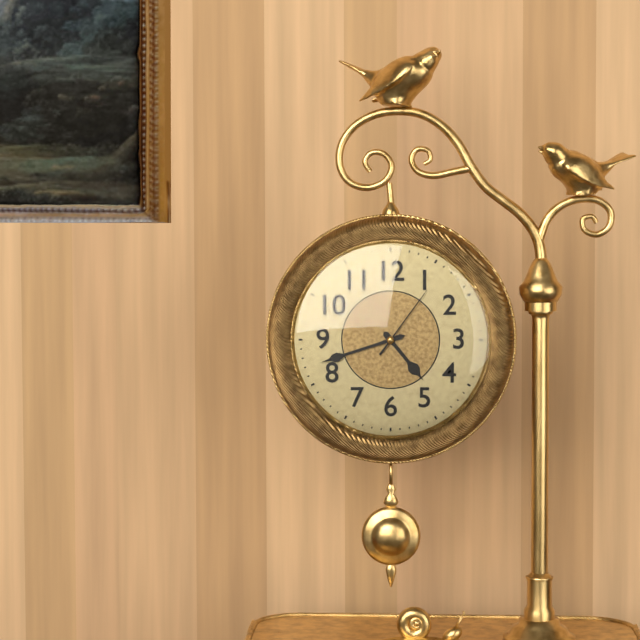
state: 4:42:06
